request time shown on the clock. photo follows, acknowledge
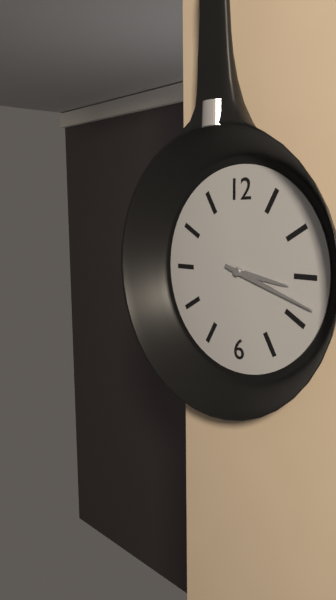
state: 3:18
